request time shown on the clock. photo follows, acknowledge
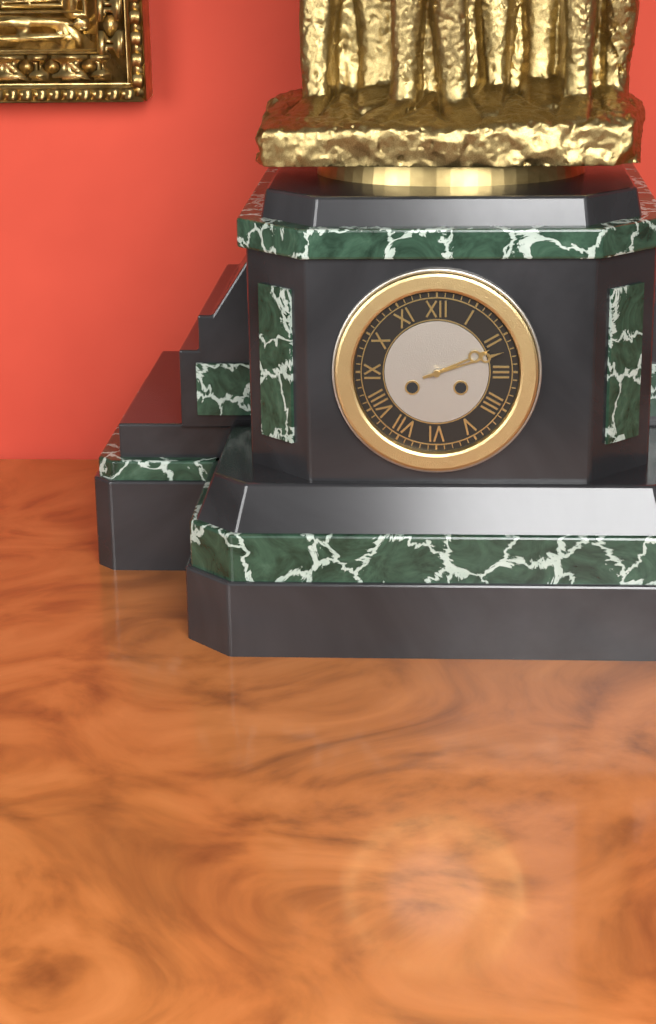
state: 2:12
